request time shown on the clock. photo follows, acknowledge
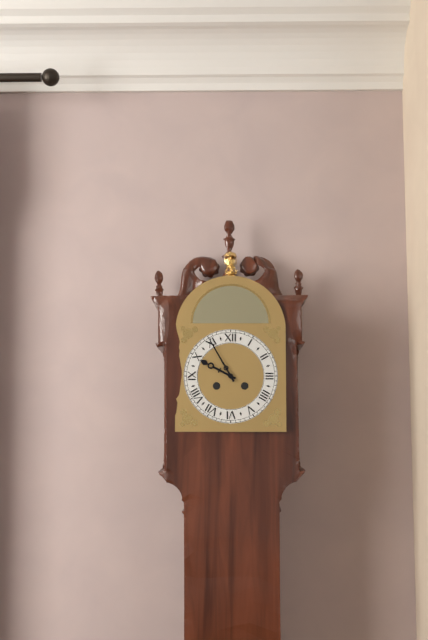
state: 9:55
